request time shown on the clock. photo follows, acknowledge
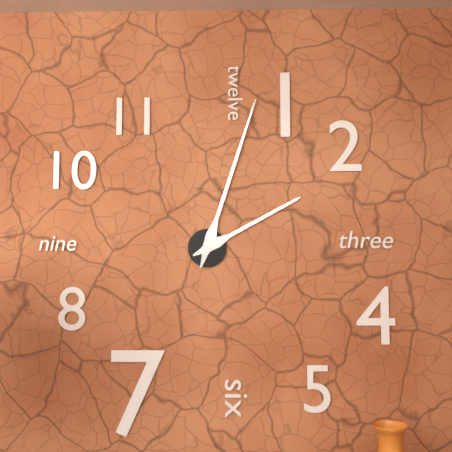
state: 2:03
